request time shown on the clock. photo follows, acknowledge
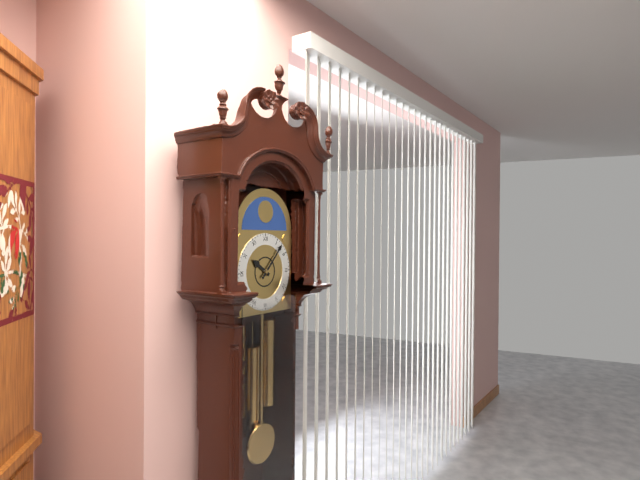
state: 10:07
